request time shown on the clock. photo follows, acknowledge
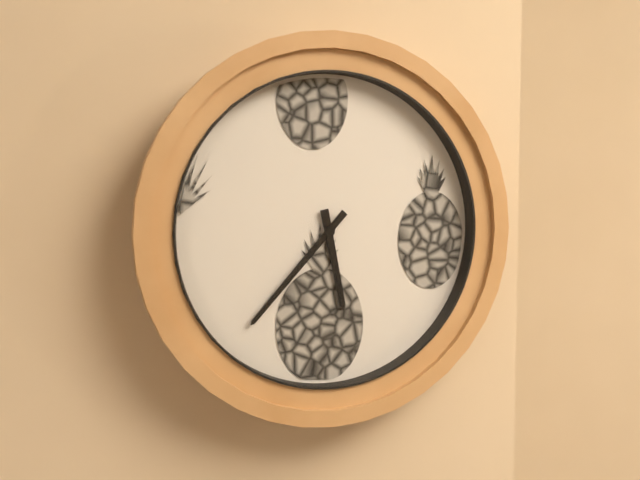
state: 5:37
